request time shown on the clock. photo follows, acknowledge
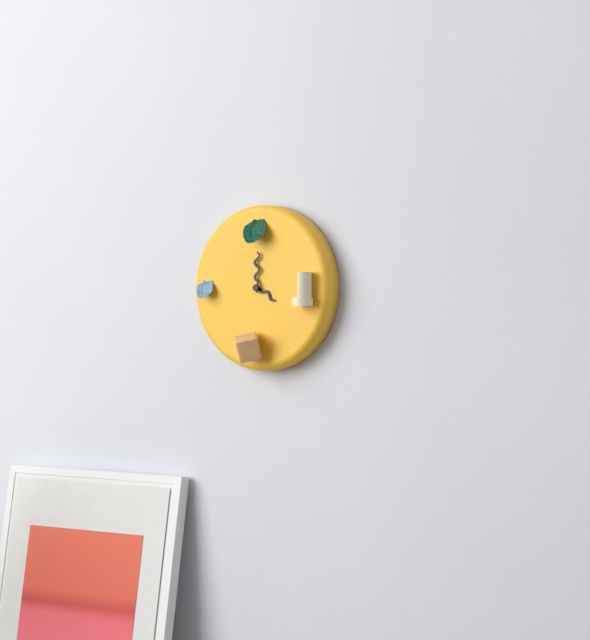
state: 4:00
